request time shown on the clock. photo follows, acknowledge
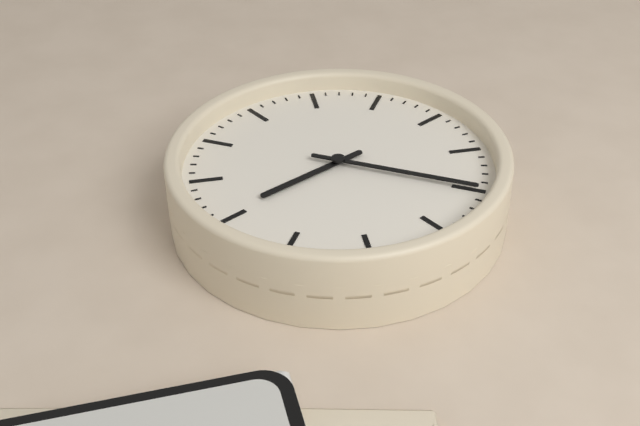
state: 5:05
